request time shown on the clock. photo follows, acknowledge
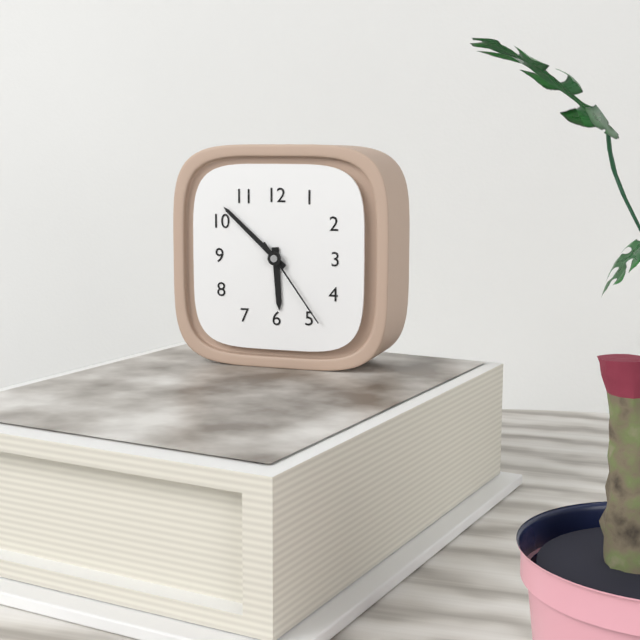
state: 5:52:24
